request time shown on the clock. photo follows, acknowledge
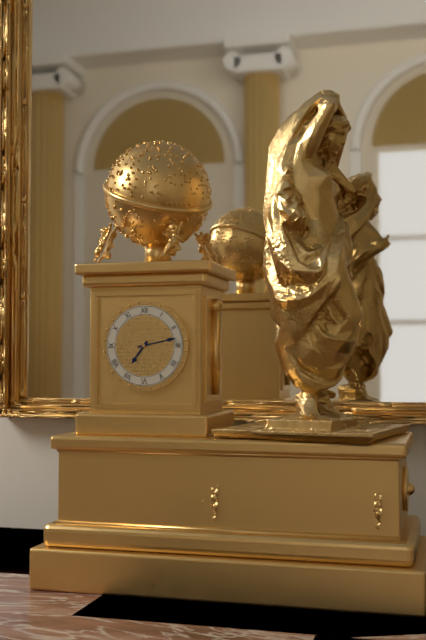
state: 7:13
